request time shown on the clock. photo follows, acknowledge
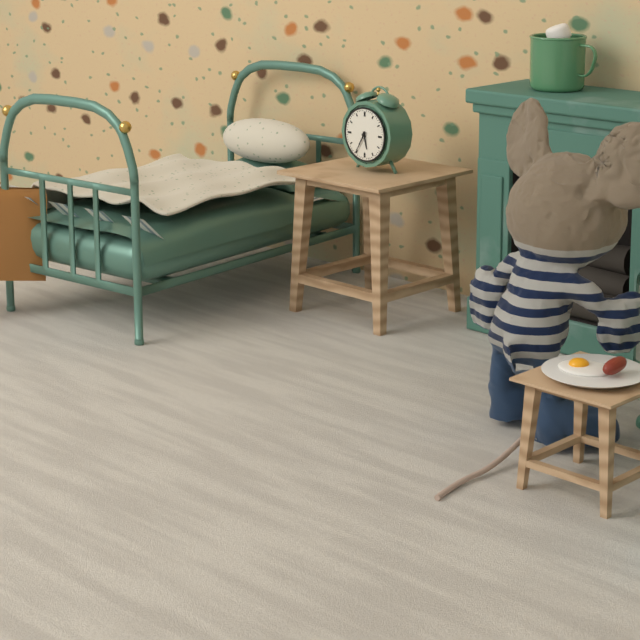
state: 5:35
